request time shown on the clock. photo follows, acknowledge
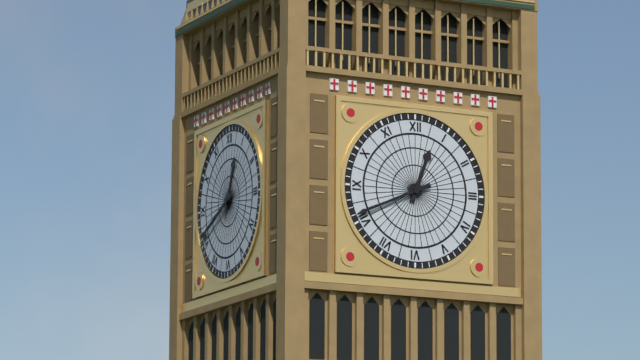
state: 12:41
